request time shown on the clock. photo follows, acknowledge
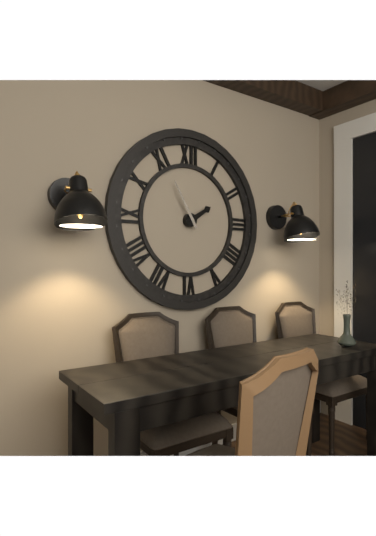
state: 1:55
